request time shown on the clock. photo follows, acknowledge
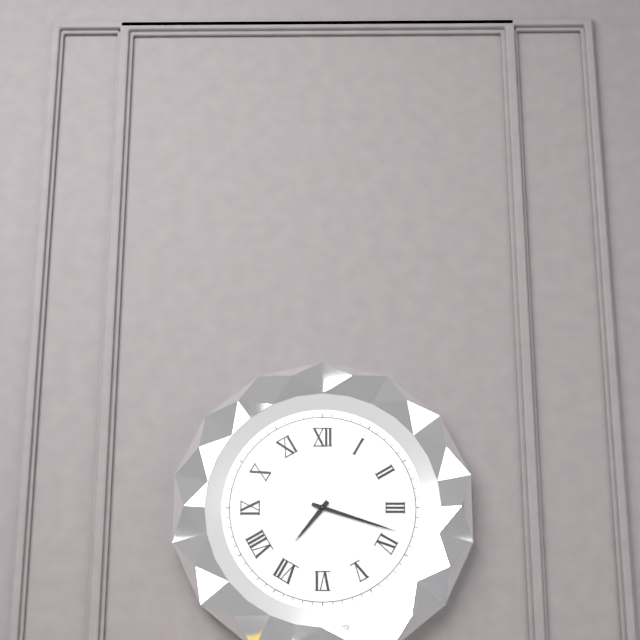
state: 7:18
